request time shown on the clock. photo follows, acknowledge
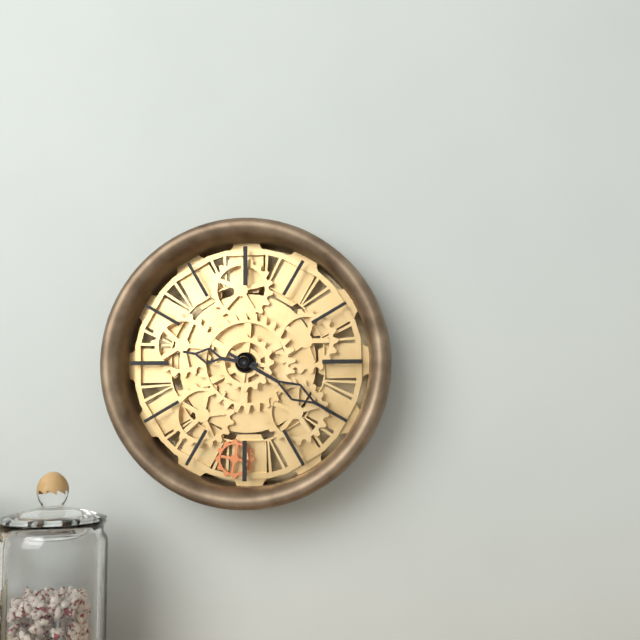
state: 9:20
